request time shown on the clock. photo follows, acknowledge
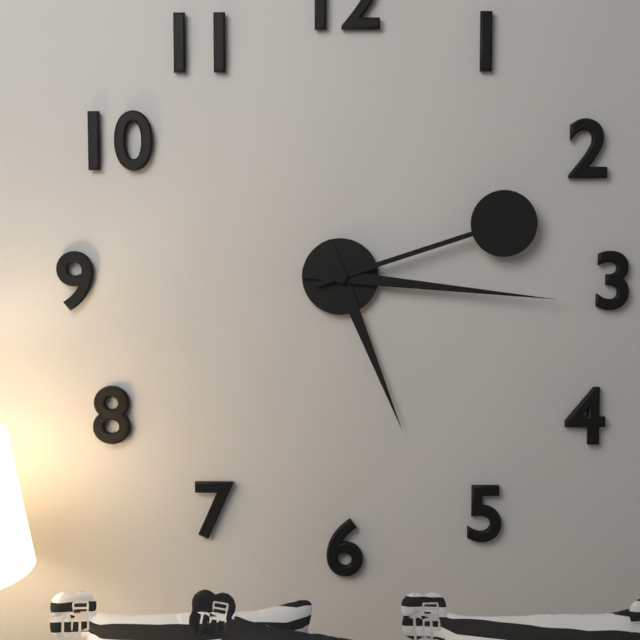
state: 5:16:12
